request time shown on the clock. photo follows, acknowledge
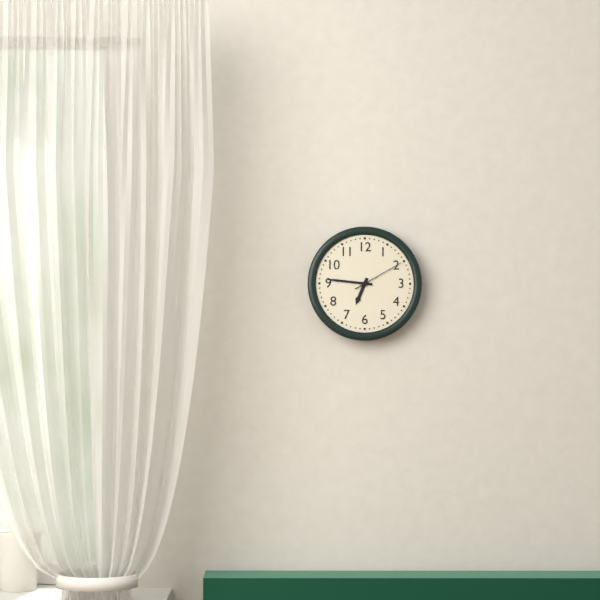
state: 6:46:10
